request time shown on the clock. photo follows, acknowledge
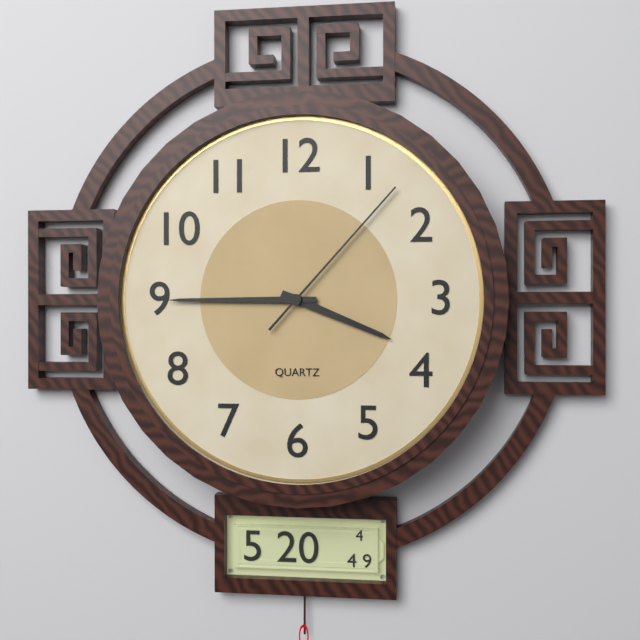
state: 3:45:07
